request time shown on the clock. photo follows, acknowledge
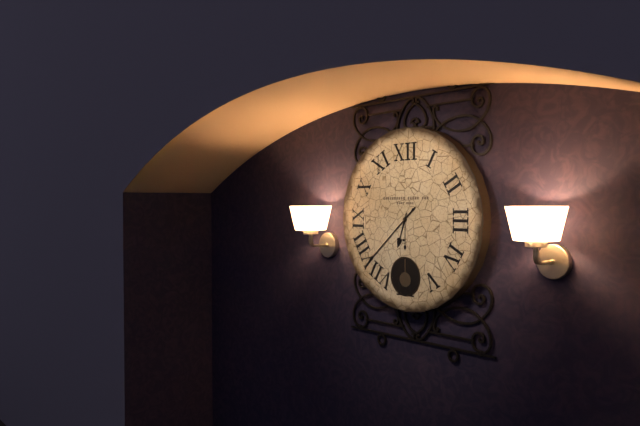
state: 6:38
